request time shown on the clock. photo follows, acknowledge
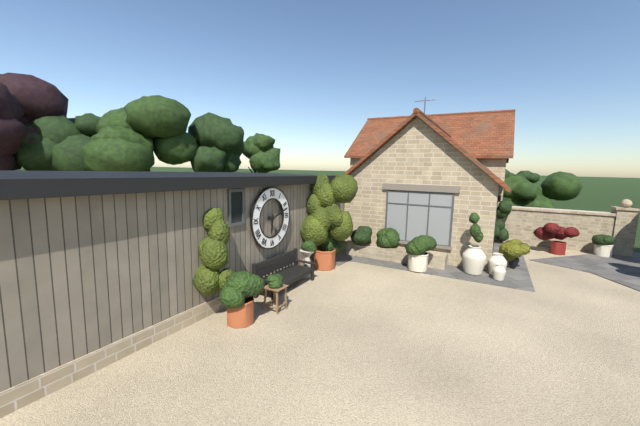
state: 6:12
